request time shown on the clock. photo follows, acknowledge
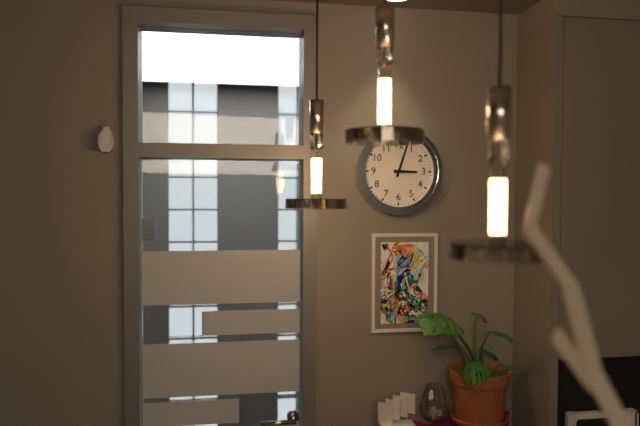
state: 3:03
